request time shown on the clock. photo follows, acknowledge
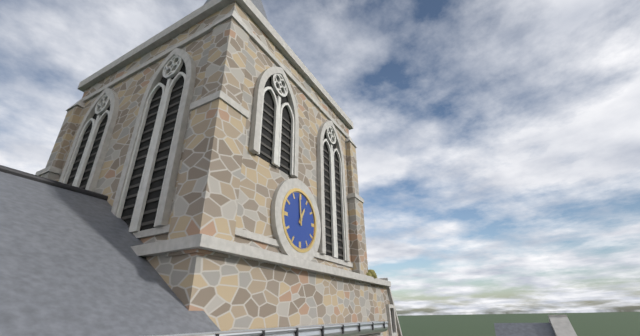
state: 12:59
